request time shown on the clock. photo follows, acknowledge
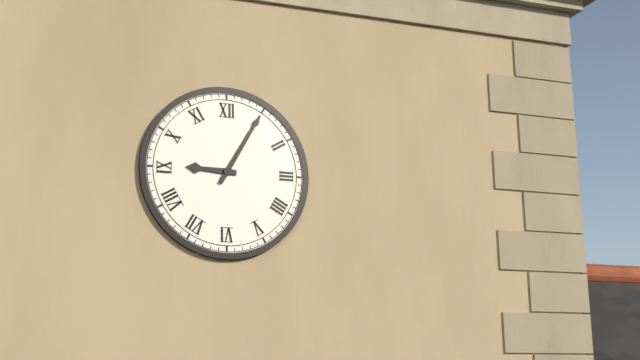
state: 9:05
